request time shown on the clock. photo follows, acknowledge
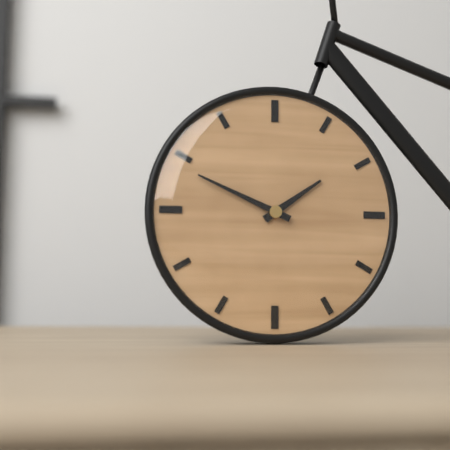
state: 1:49
